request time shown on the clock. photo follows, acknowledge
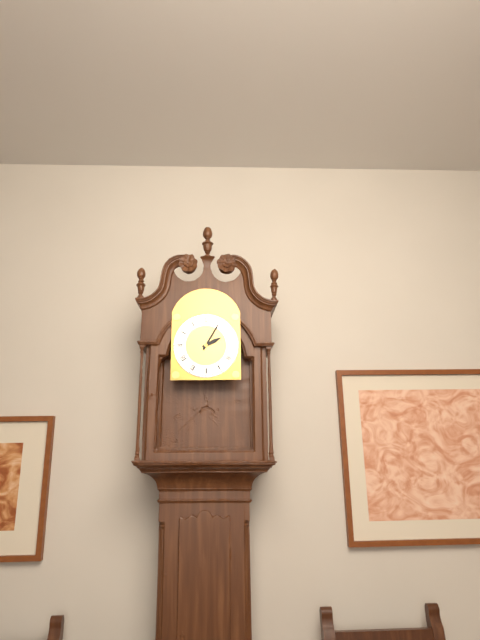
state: 2:05
